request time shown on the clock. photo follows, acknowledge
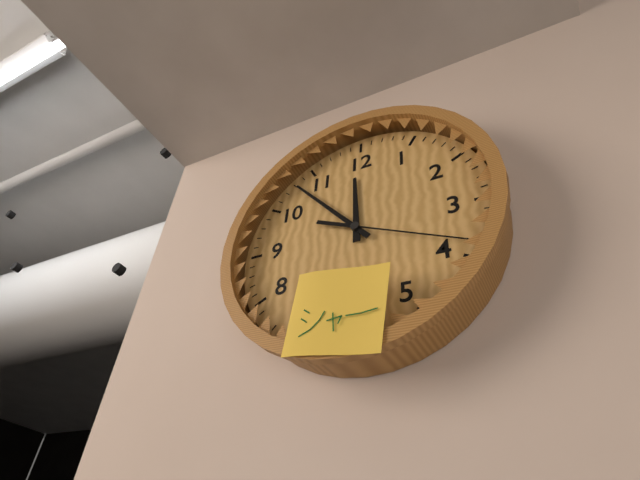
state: 11:53:19
